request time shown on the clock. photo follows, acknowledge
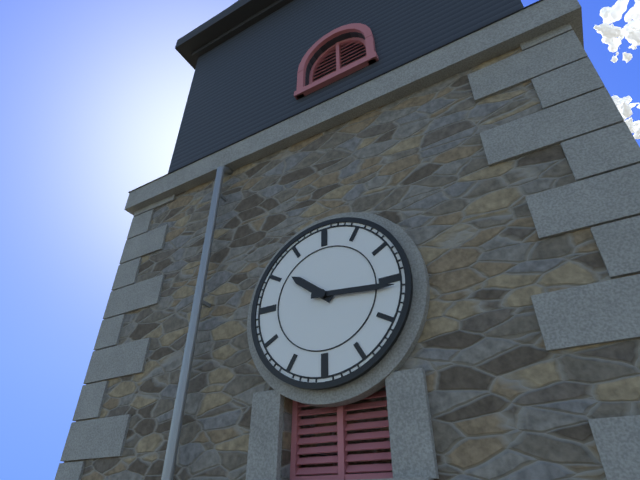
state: 10:16
